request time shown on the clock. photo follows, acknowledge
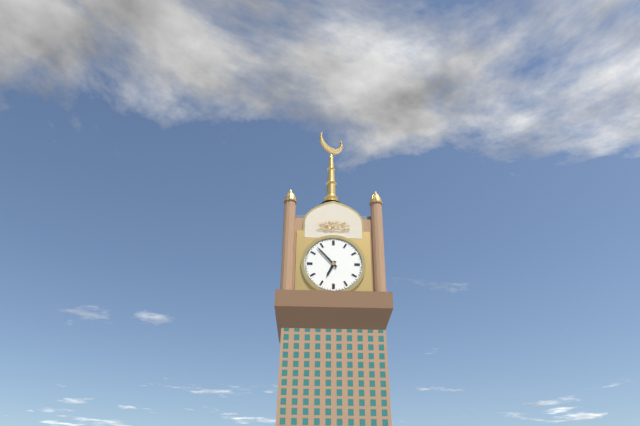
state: 6:53
